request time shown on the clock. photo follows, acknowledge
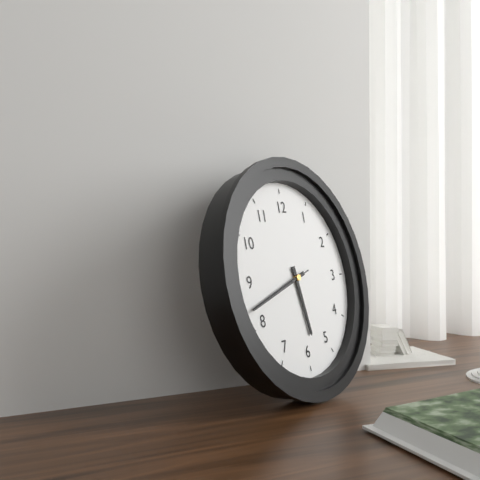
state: 5:42:42
